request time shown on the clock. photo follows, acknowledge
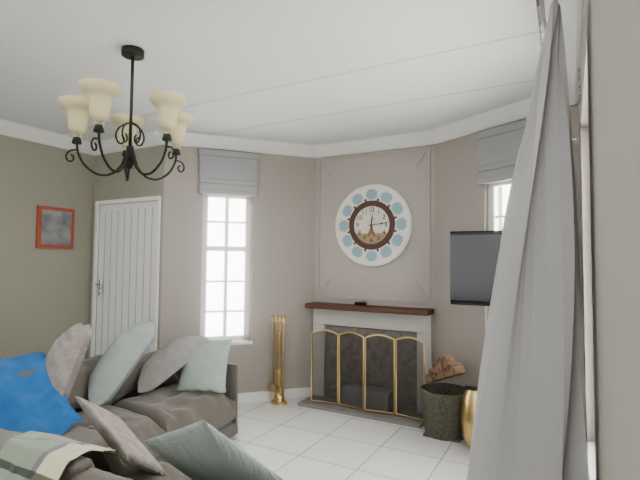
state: 12:14
